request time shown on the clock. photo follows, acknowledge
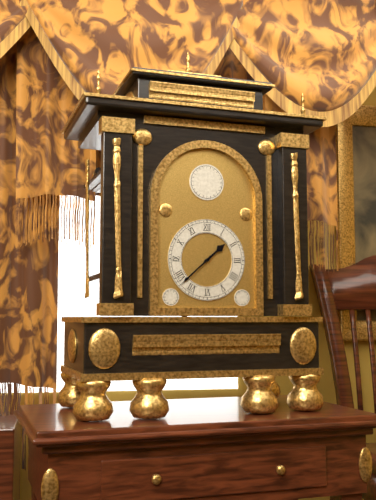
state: 1:38
